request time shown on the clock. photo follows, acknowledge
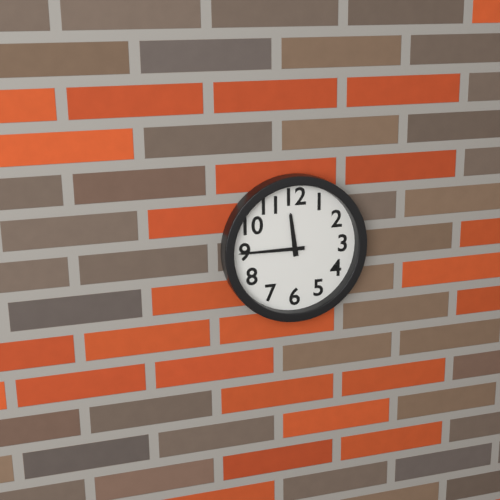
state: 11:45
